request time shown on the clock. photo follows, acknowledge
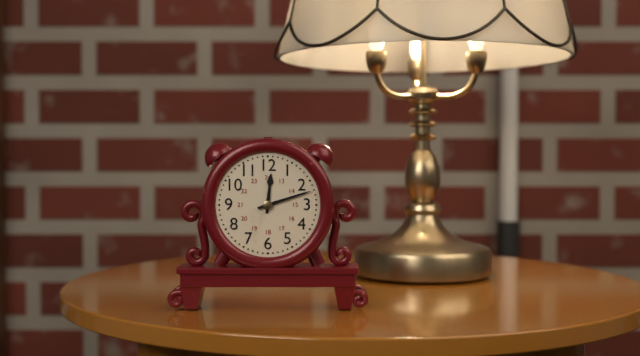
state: 12:12
